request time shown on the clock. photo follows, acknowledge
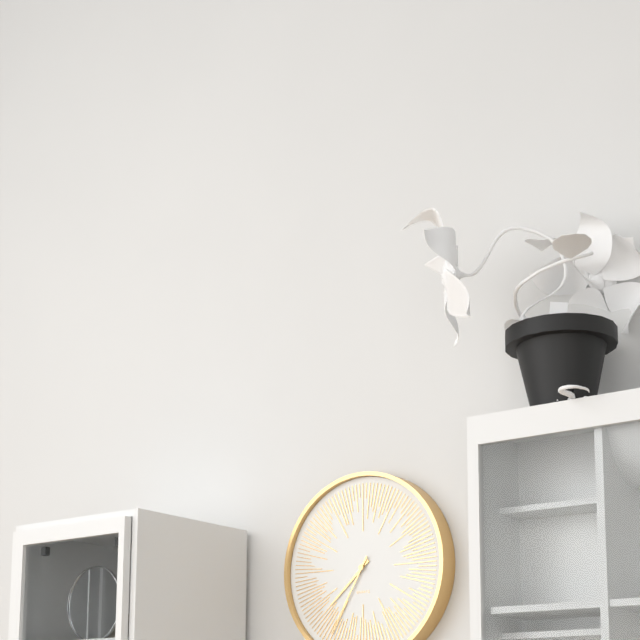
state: 7:35
